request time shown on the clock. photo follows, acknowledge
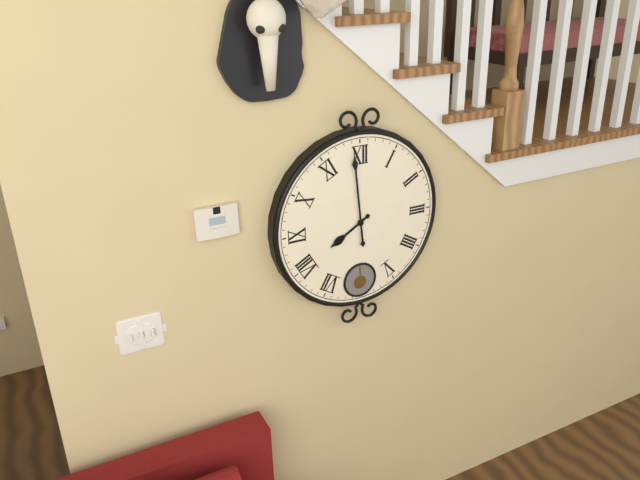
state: 7:59
